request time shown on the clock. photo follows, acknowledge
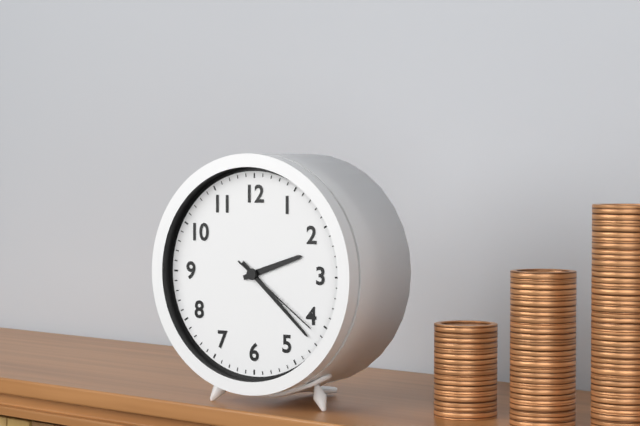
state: 2:22:21
